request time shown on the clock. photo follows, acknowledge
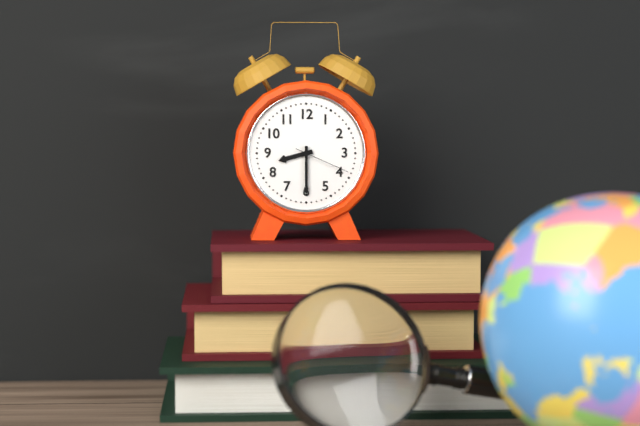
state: 8:30:19
